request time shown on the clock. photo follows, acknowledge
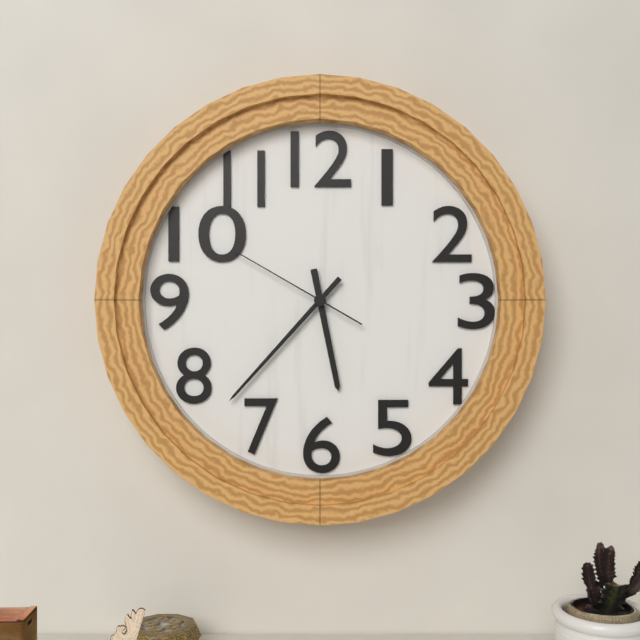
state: 5:37:50
